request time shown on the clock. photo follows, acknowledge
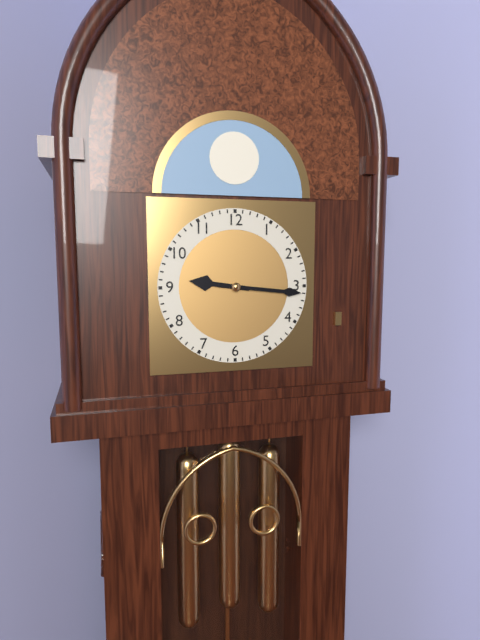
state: 9:16
